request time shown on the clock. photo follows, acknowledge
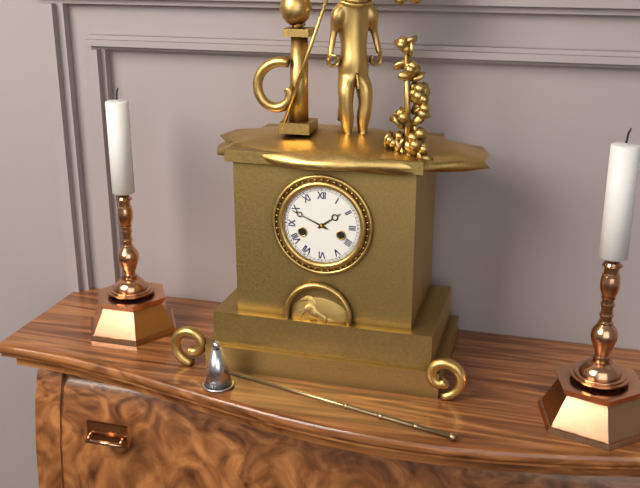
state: 1:49
